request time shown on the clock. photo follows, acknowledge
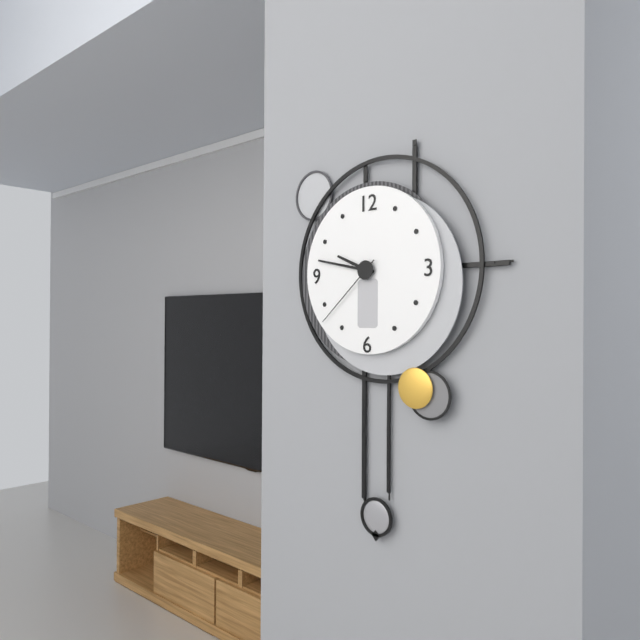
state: 9:47:38
